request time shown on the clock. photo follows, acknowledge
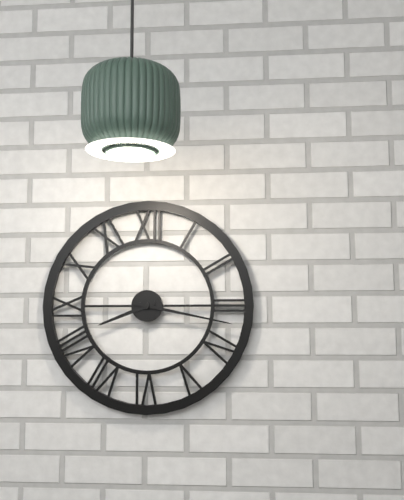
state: 8:17
